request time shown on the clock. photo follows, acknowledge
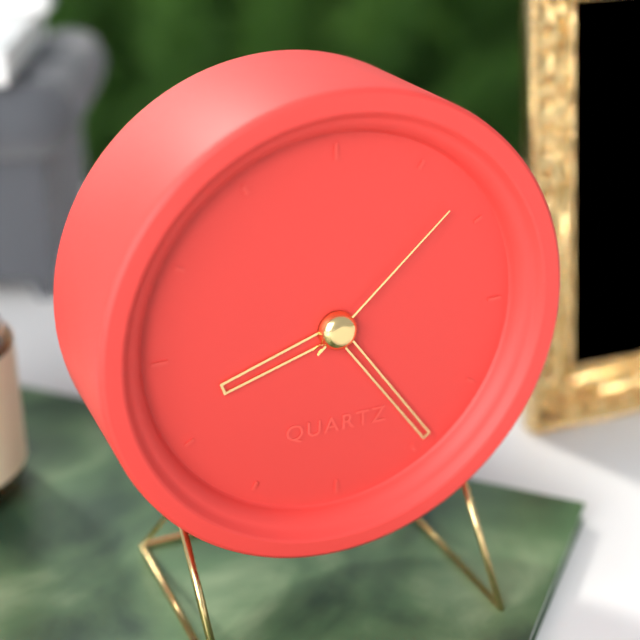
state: 8:24:08
